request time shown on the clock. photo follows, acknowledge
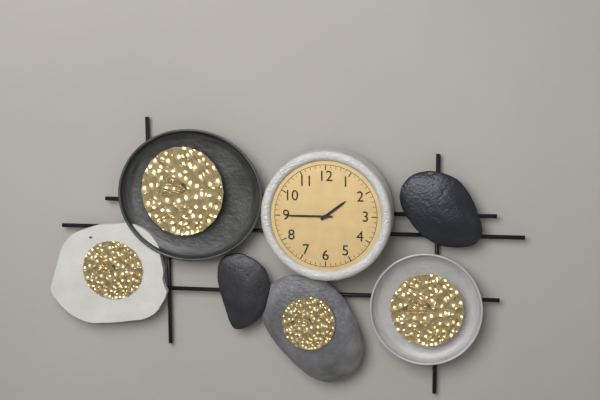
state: 1:45
